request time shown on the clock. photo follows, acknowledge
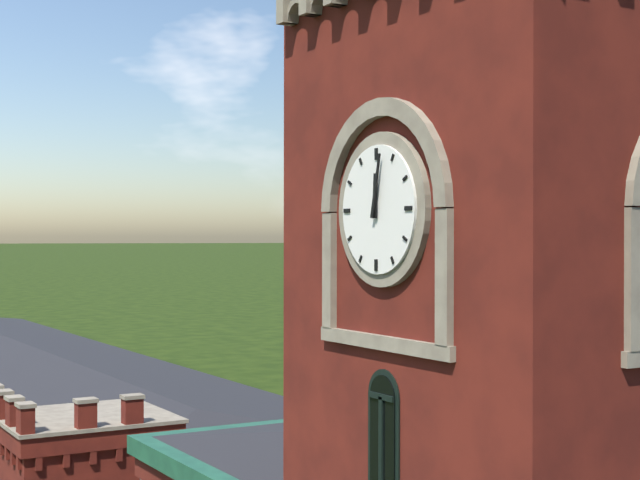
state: 12:02
